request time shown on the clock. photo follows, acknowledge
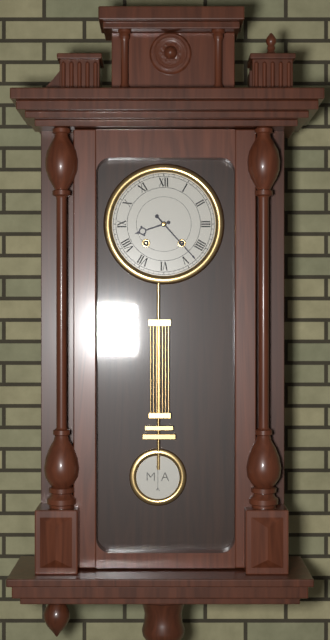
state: 8:23
